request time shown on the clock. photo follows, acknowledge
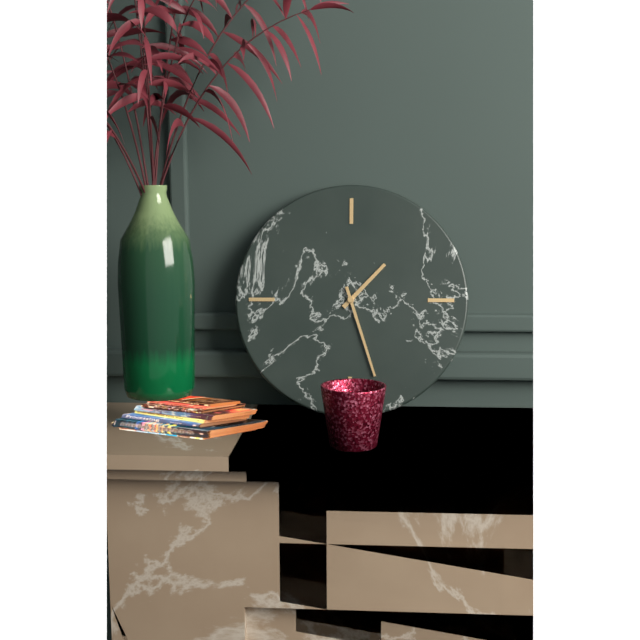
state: 1:27
